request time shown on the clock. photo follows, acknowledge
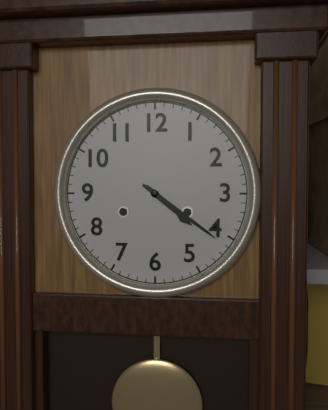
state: 4:21
